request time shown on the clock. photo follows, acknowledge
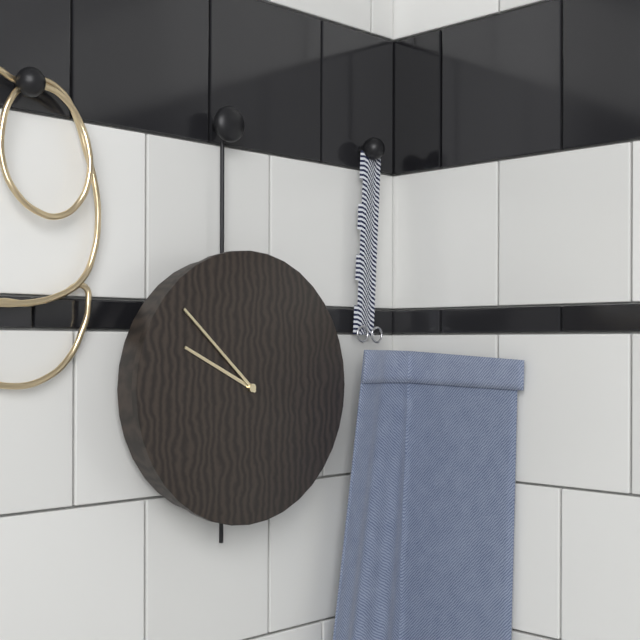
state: 9:52
